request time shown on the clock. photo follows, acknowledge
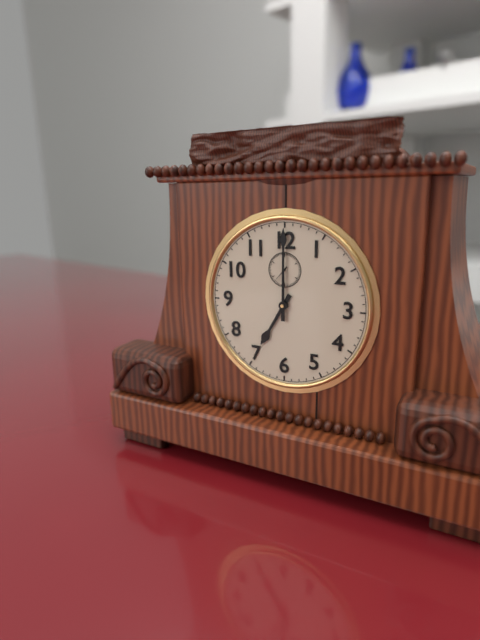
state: 7:00
